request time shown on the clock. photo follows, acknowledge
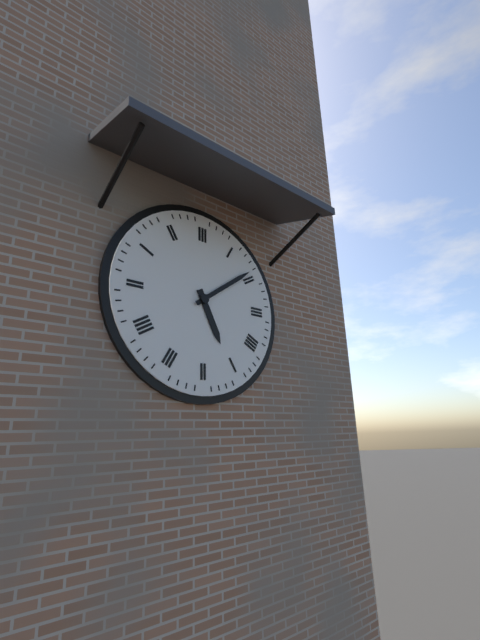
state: 5:09
